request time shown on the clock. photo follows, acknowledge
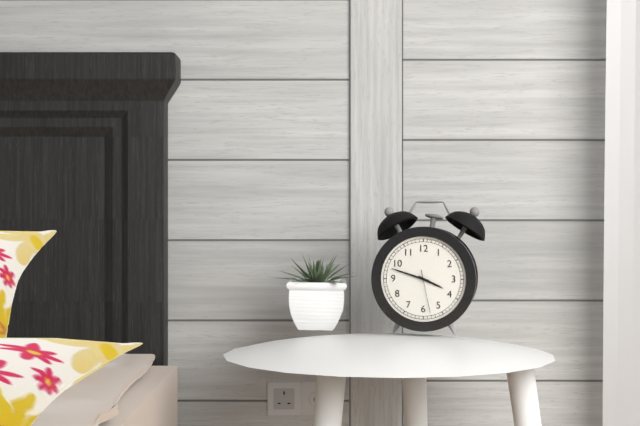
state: 3:48
